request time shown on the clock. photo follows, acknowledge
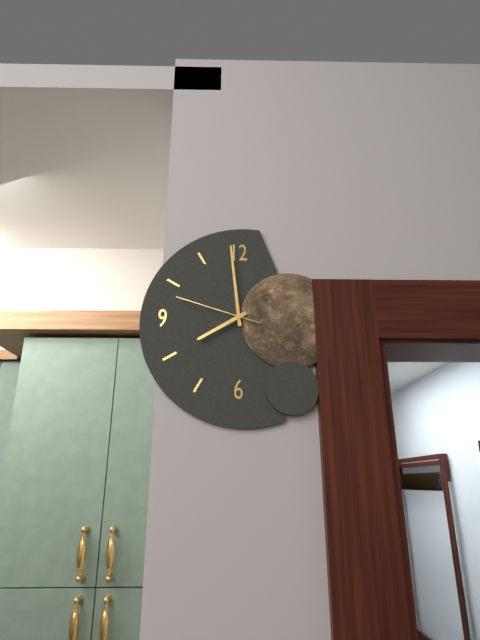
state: 7:59:48
